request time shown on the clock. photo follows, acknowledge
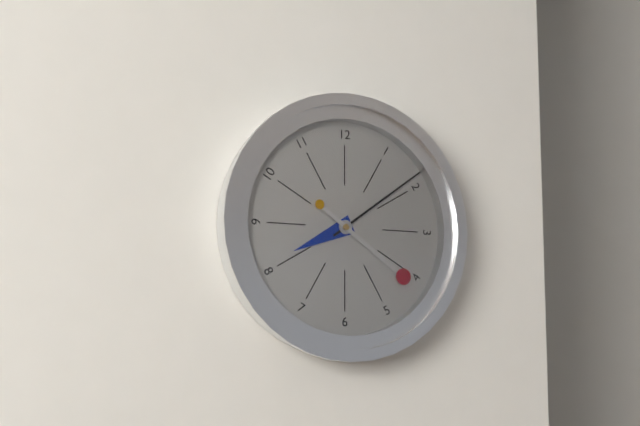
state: 8:09:21
